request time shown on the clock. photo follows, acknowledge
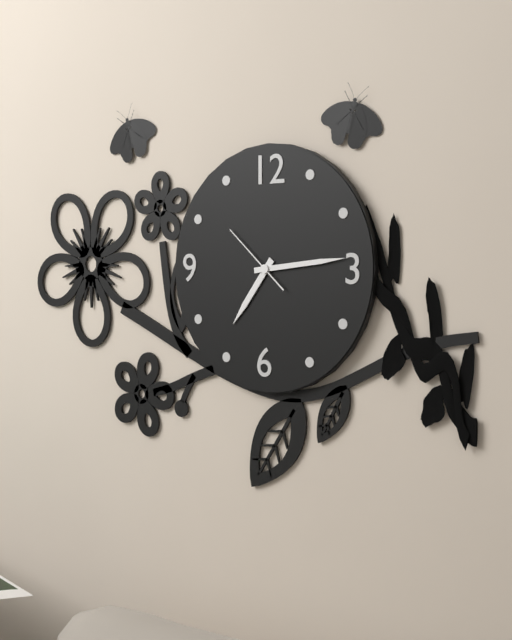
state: 7:14:52
